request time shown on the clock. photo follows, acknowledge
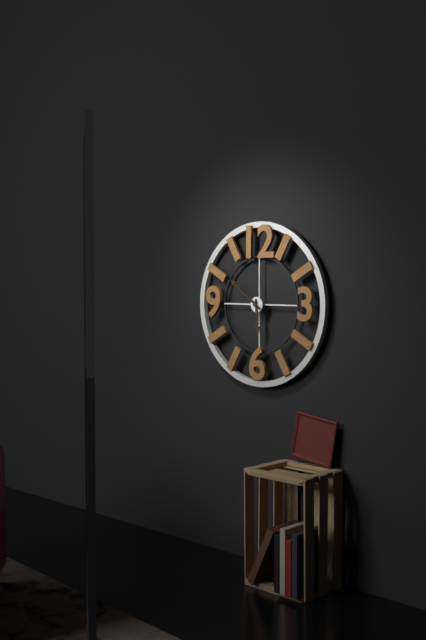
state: 5:51
